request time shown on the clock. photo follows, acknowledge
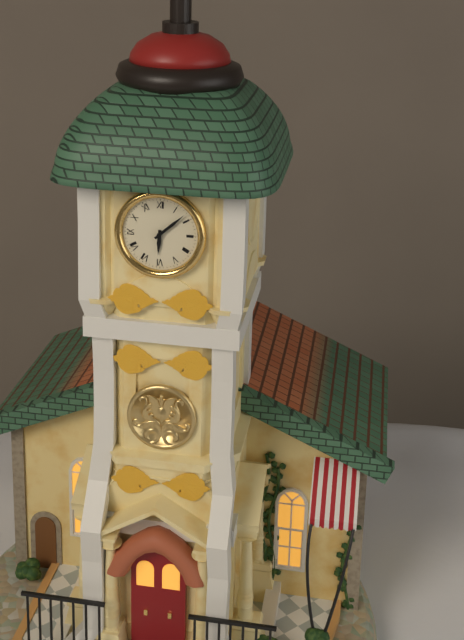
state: 6:08
